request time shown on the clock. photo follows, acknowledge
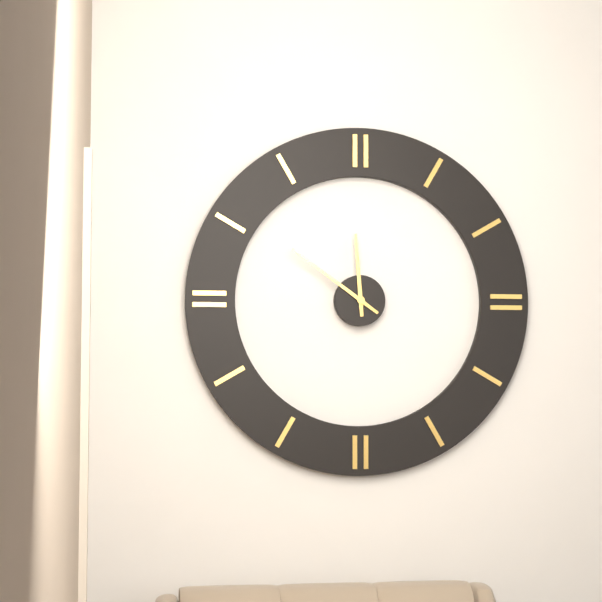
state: 11:51
